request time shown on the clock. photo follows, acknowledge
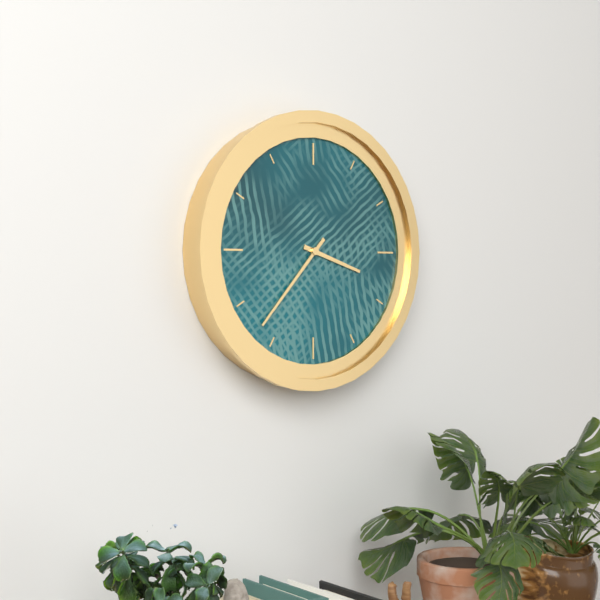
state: 3:37
